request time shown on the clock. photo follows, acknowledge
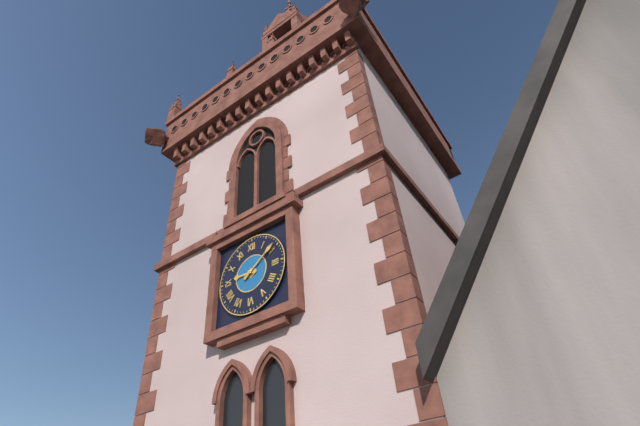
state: 9:09
